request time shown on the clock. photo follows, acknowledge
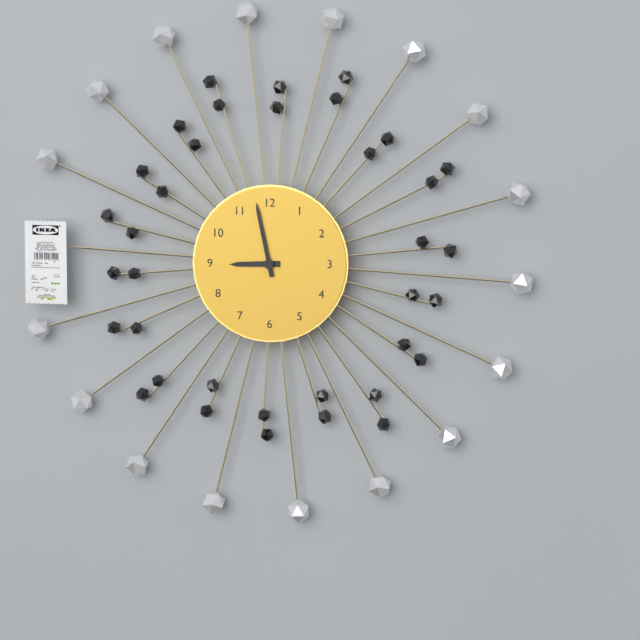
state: 8:58
